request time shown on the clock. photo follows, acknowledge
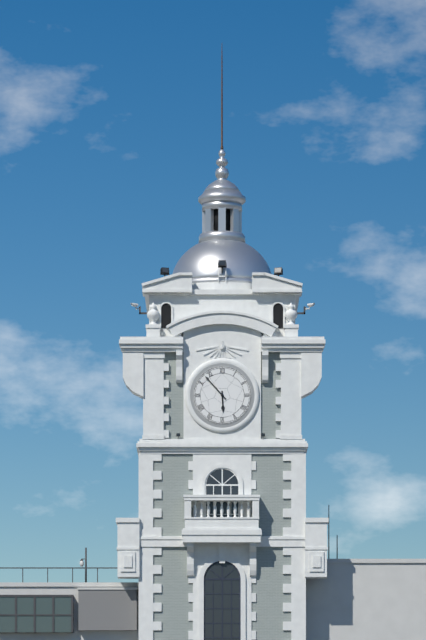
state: 5:53
